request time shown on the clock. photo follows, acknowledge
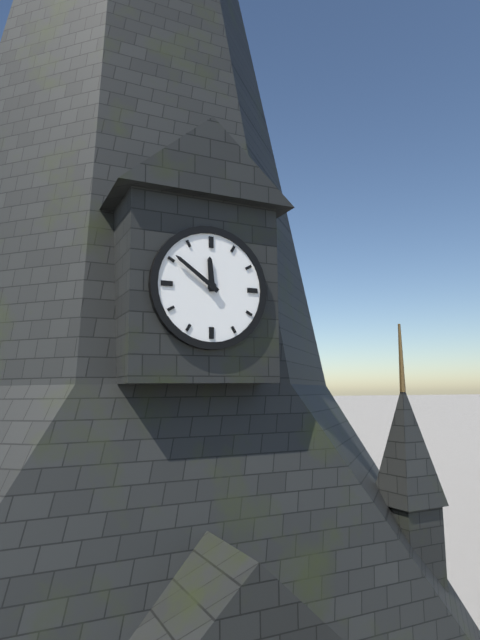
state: 11:51
